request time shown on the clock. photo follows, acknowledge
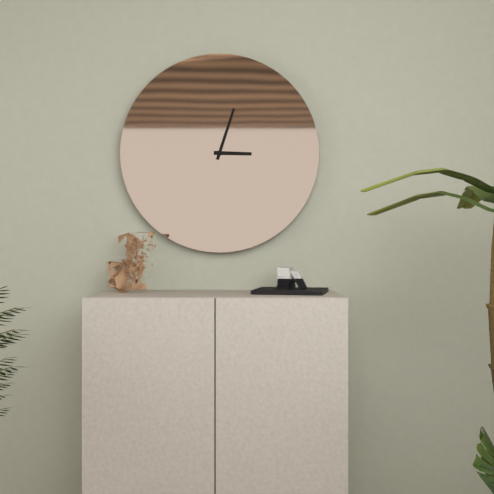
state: 3:03
